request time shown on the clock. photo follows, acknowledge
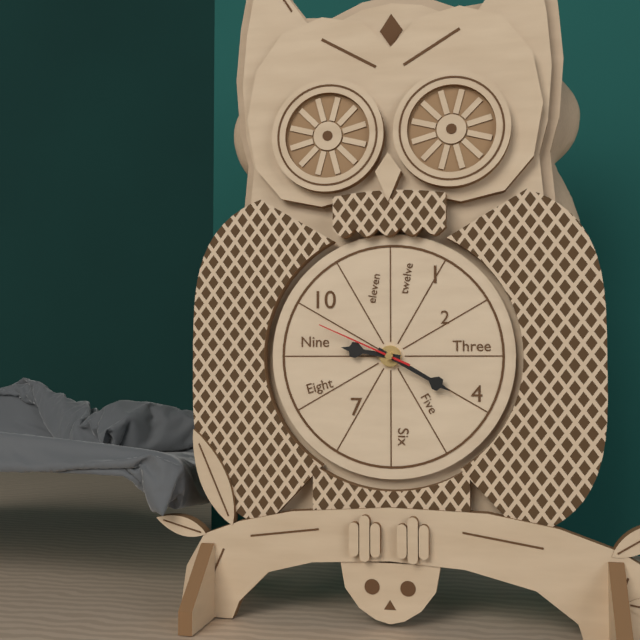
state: 9:20:49
